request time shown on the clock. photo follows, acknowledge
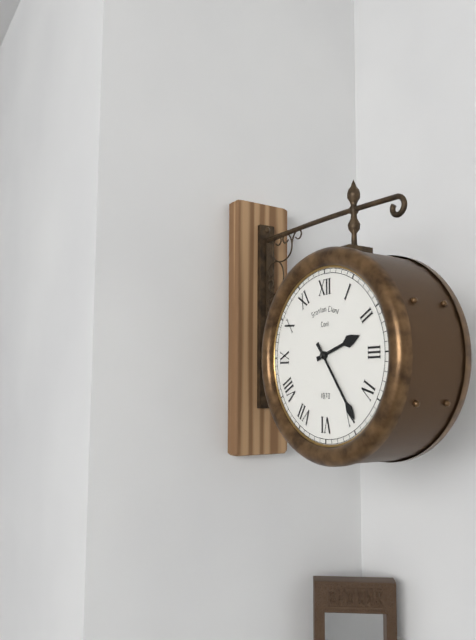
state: 2:24
